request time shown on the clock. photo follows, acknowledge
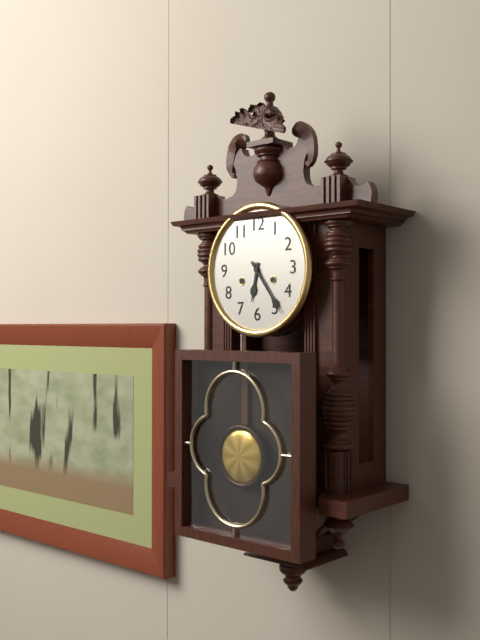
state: 6:24
